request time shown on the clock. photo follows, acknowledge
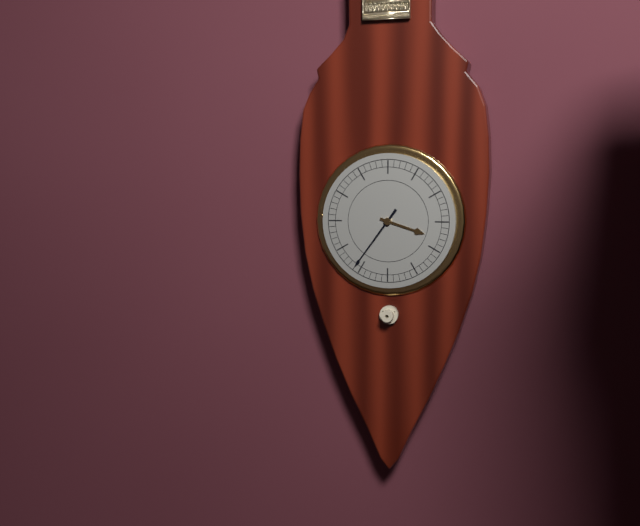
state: 3:36
